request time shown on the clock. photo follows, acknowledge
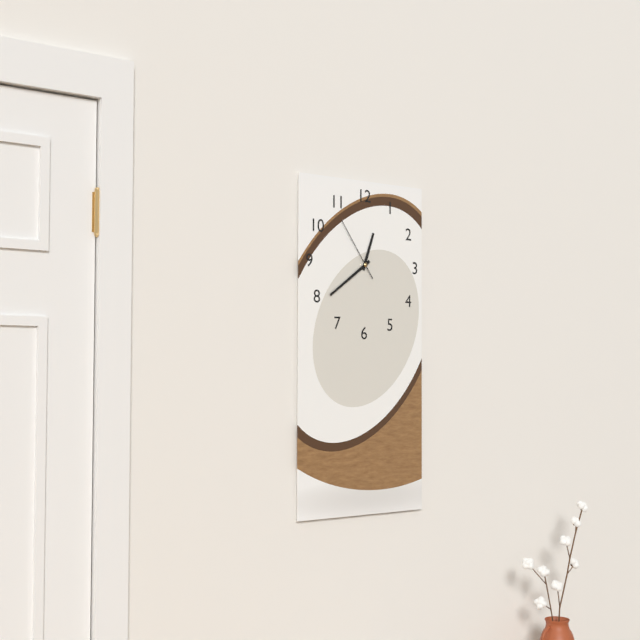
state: 12:39:54
